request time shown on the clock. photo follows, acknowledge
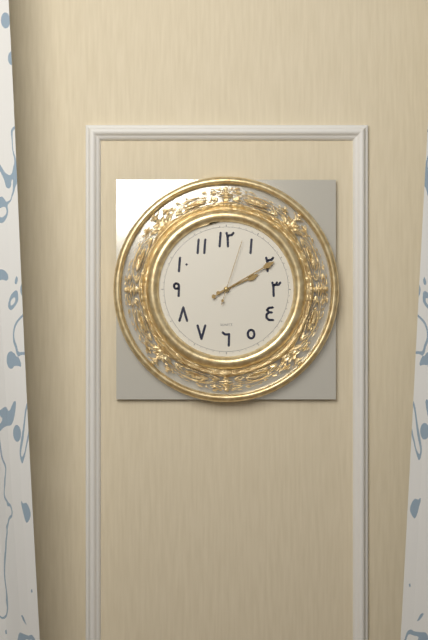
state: 2:10:03
